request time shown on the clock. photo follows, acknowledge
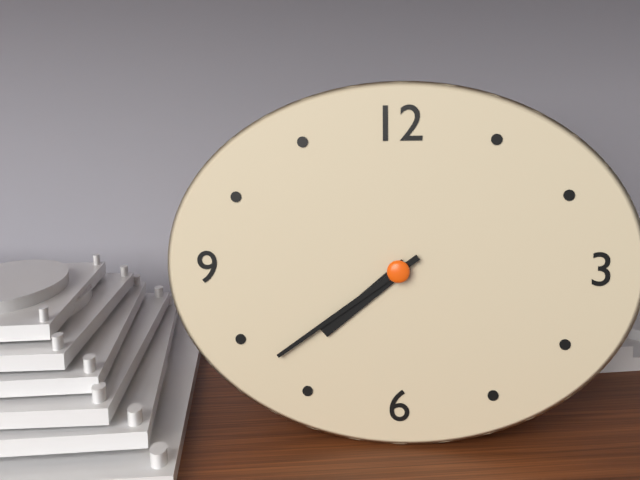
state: 7:39
